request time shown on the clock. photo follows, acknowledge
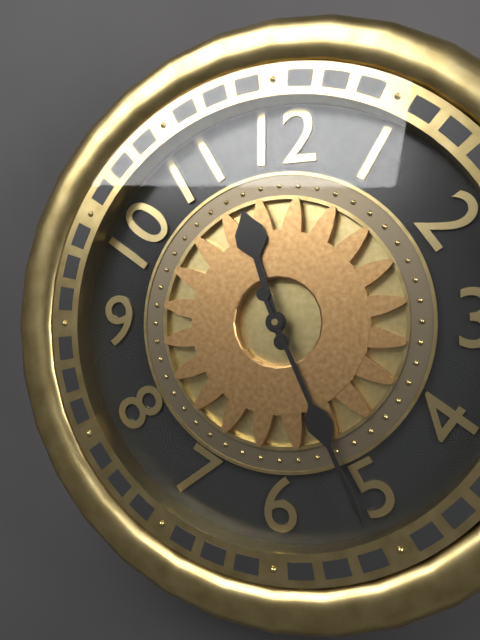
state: 11:26
